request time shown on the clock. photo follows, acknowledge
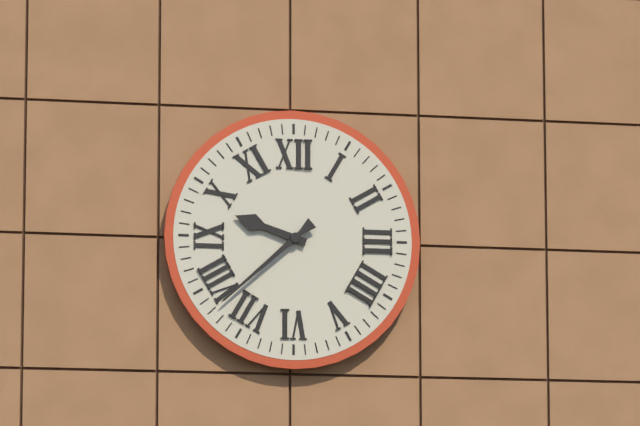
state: 9:38
